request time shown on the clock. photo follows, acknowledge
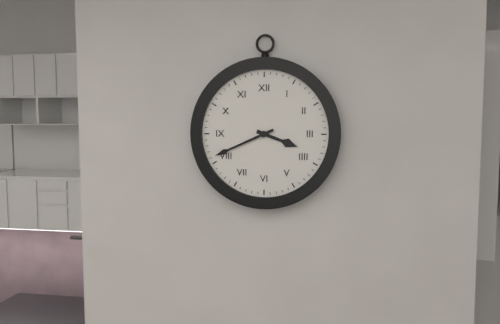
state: 3:41
